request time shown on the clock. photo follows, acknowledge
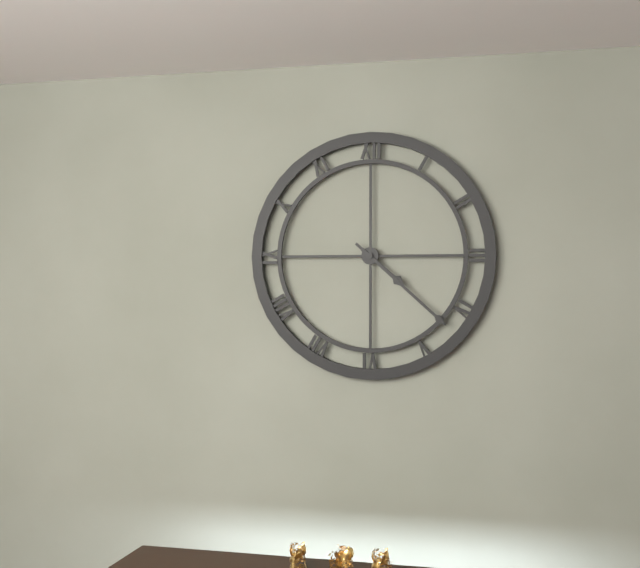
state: 4:22
